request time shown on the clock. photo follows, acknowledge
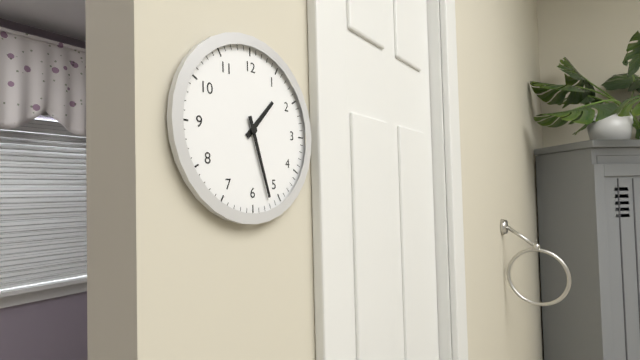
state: 1:27
